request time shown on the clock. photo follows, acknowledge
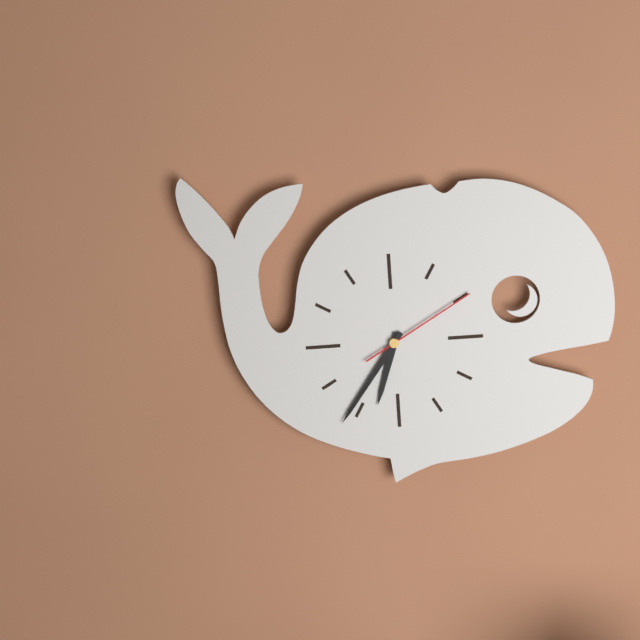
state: 6:36:10
